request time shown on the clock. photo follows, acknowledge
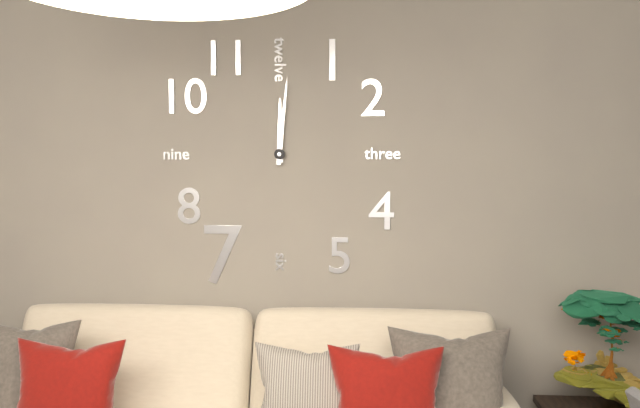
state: 12:01
